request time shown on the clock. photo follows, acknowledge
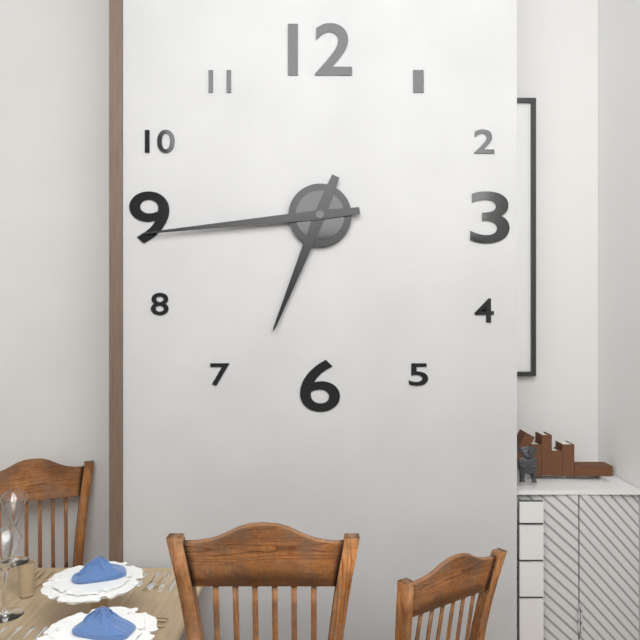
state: 6:44
